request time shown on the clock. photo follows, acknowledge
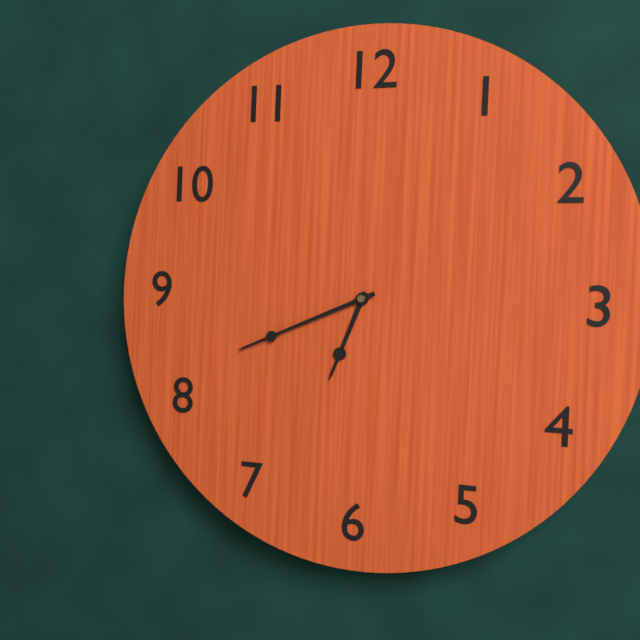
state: 6:41
